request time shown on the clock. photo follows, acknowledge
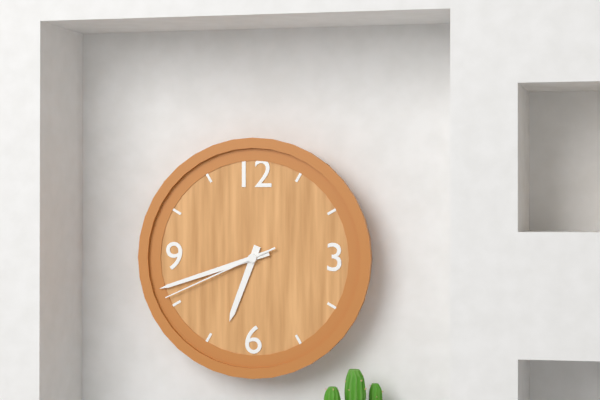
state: 6:42:41
